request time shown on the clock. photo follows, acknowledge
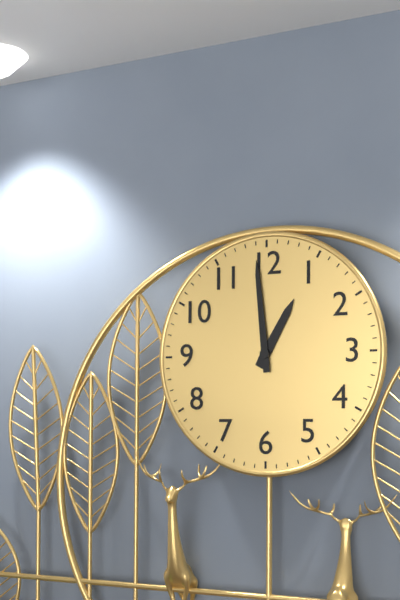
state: 12:59
